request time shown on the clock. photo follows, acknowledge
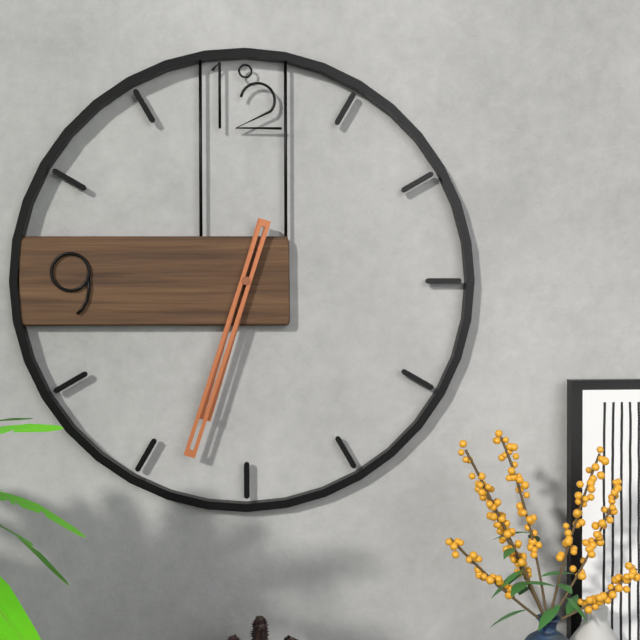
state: 6:33
